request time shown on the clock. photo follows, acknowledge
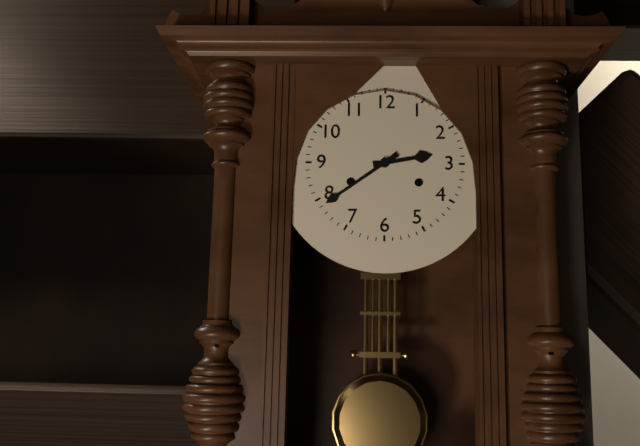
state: 2:39
